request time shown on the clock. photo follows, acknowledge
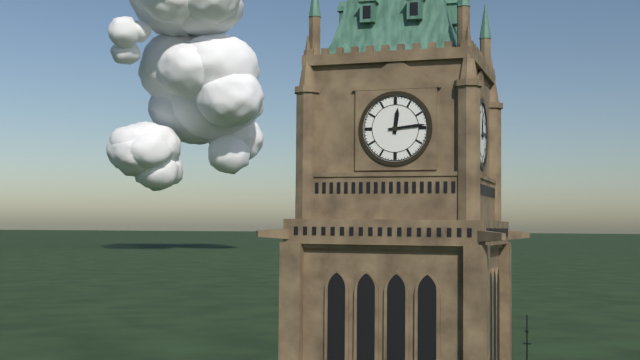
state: 12:14
